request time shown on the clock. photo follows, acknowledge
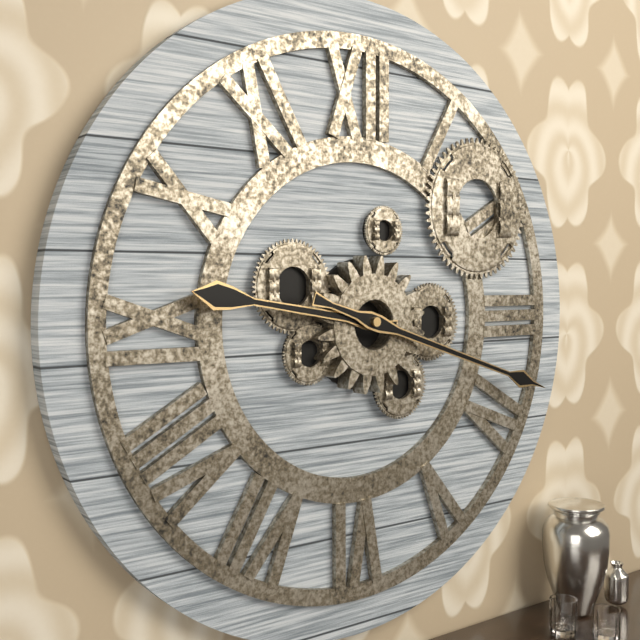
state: 9:18
